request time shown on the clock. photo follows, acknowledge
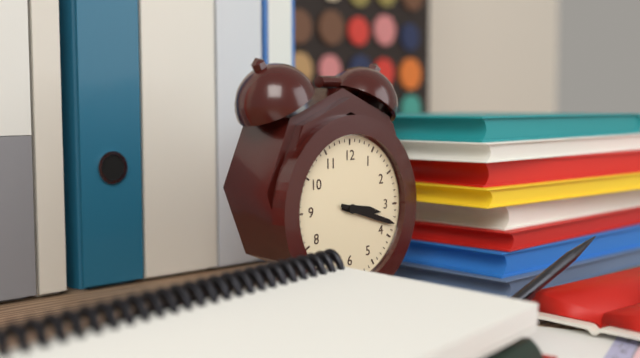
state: 3:18
